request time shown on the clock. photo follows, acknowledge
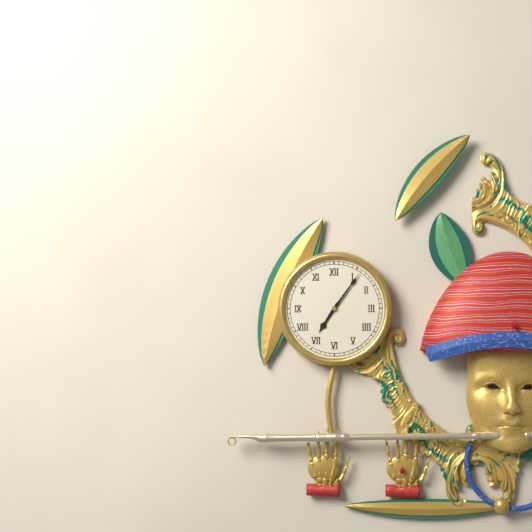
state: 7:06
